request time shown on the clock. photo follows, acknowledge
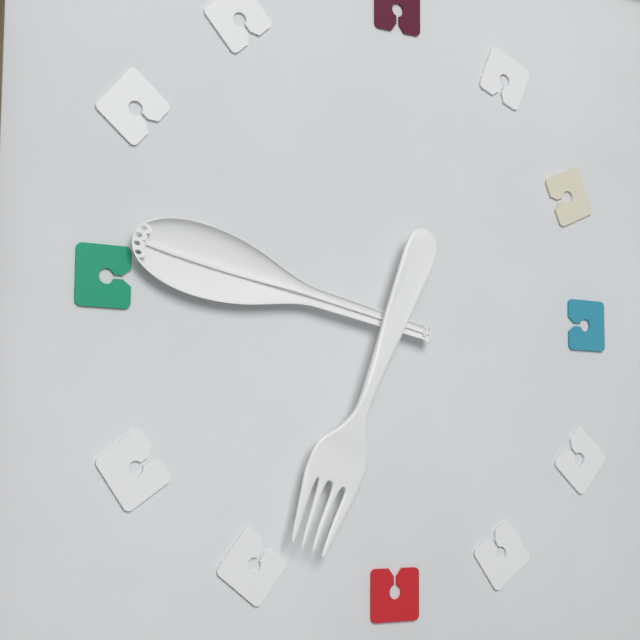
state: 6:47
